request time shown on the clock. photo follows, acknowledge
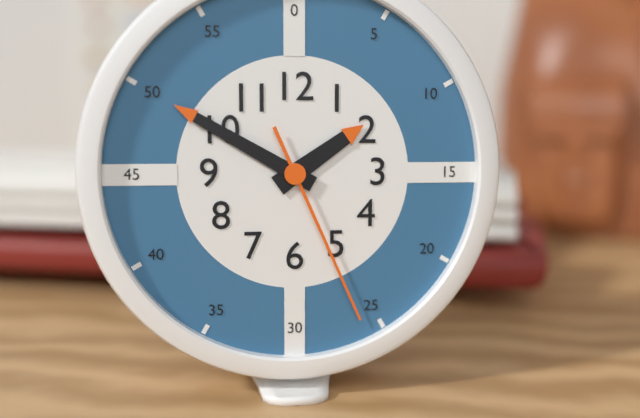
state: 1:50:26
